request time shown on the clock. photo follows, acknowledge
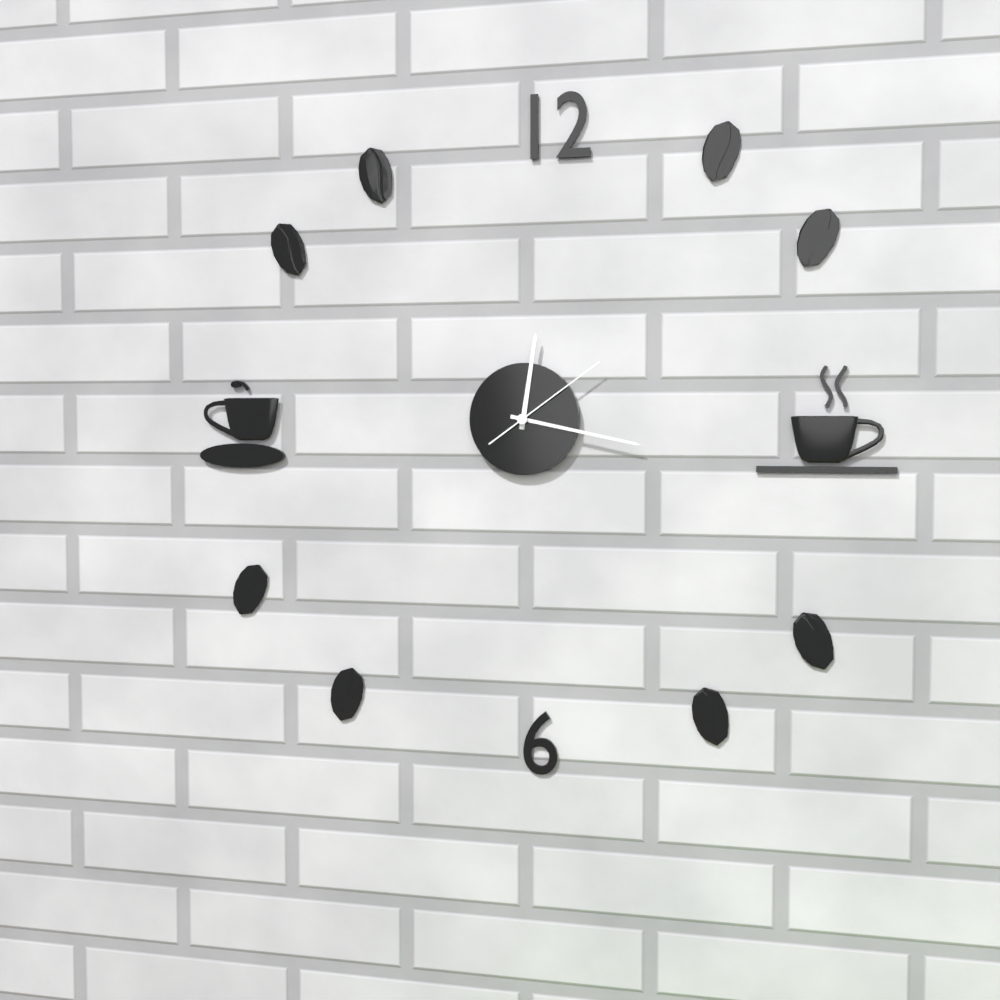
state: 12:17:09
